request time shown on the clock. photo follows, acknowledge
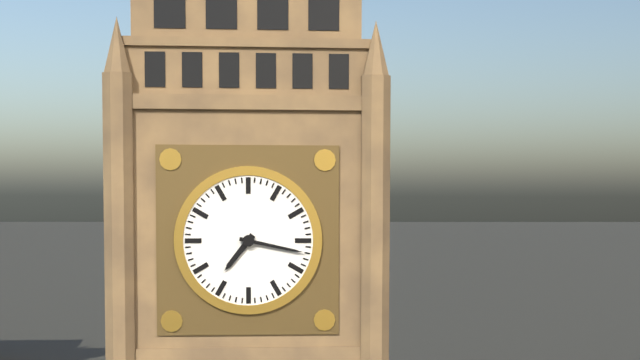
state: 7:17
